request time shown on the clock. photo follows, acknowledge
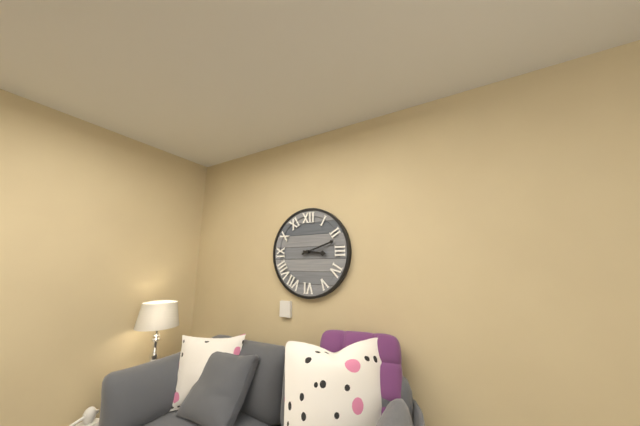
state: 3:12
